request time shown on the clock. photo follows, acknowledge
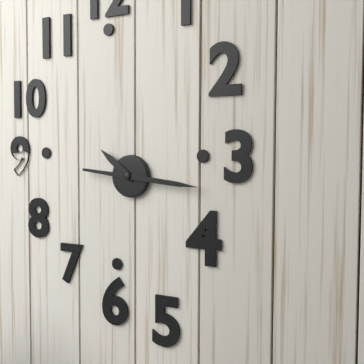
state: 10:16
